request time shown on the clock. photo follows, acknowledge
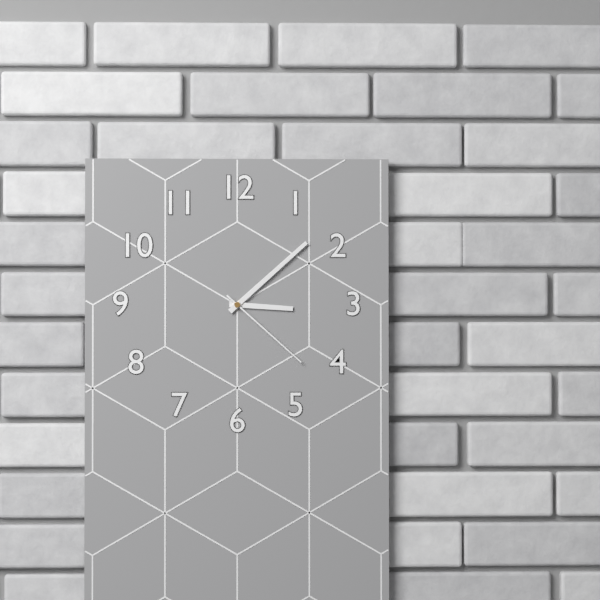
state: 3:08:22
